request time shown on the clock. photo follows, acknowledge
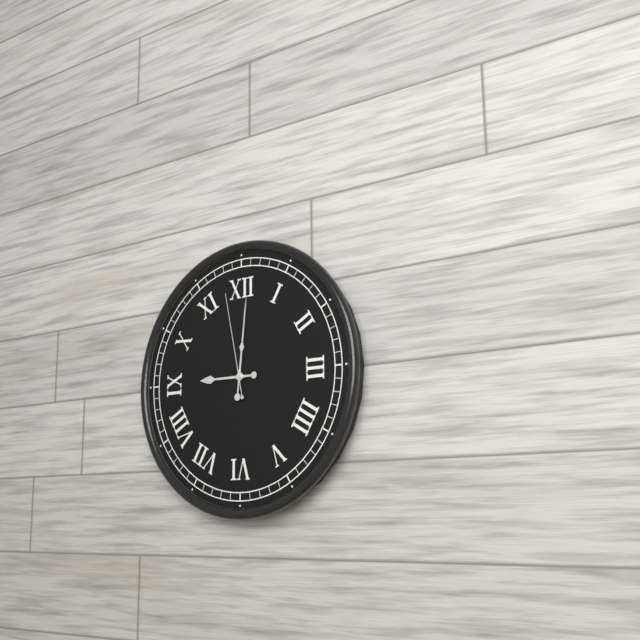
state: 9:01:58
